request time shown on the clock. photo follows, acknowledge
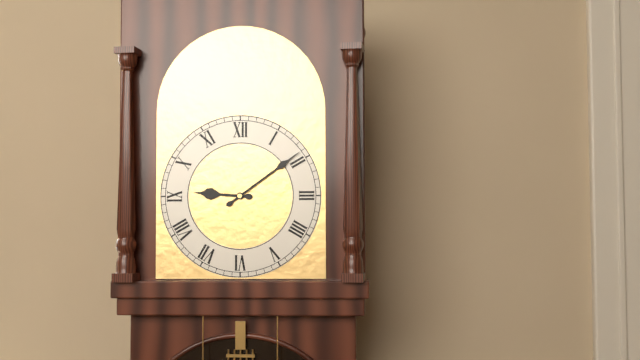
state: 9:09
